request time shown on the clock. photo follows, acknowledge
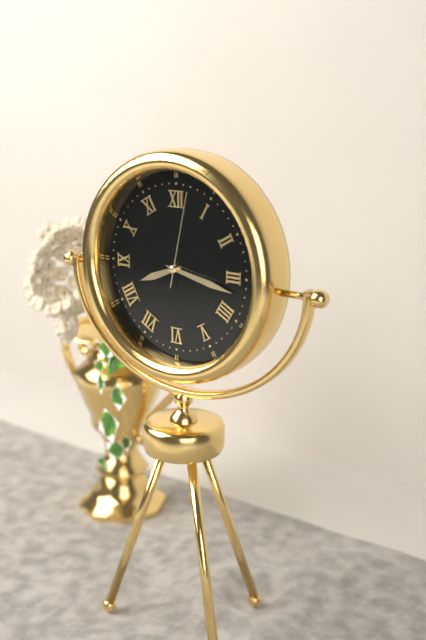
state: 8:17:02
